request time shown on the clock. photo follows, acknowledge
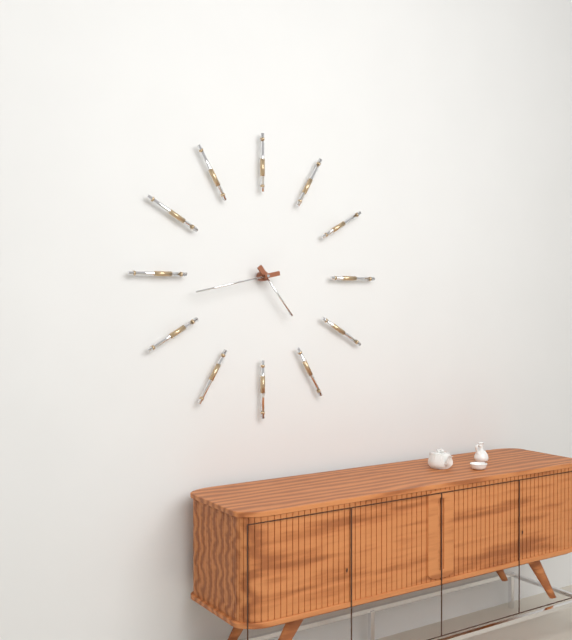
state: 4:43
